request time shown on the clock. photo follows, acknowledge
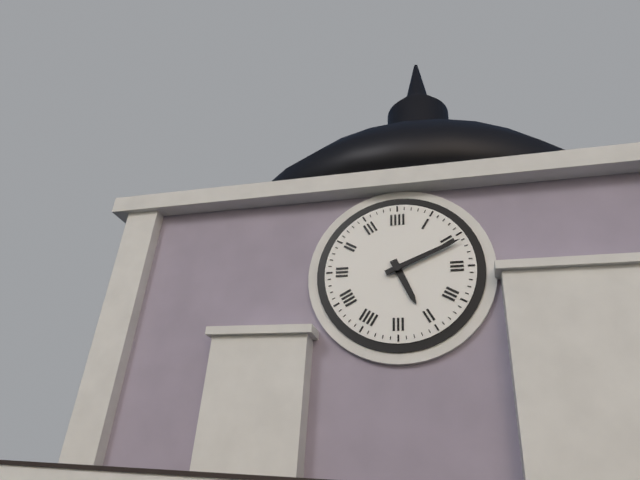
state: 5:11
